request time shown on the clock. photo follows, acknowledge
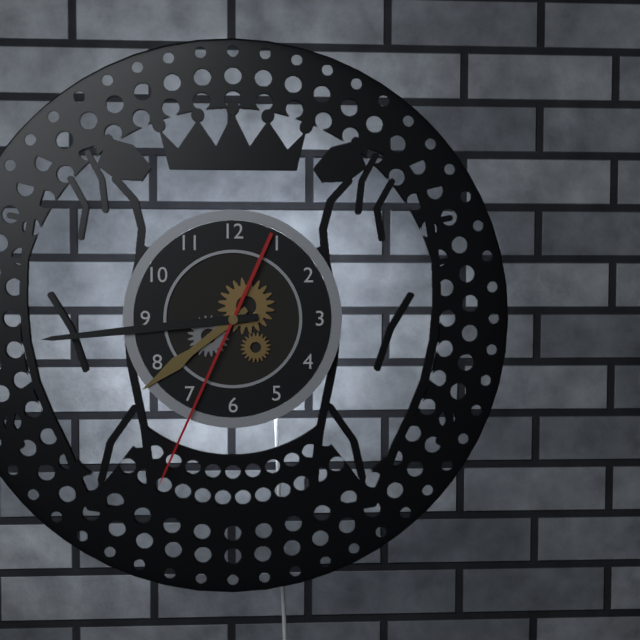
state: 7:44:34
